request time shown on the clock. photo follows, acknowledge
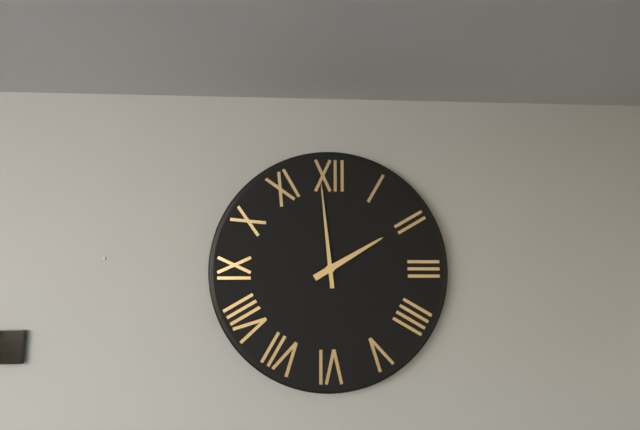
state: 1:59
